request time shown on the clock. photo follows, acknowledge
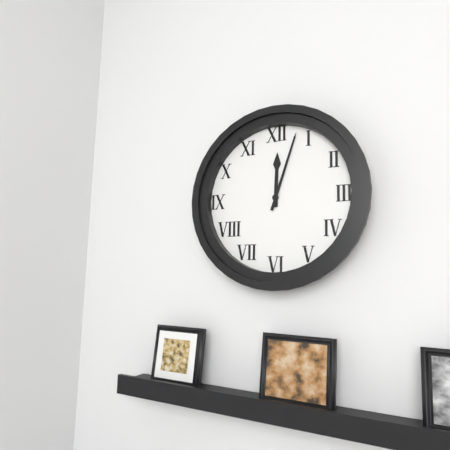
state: 12:03
